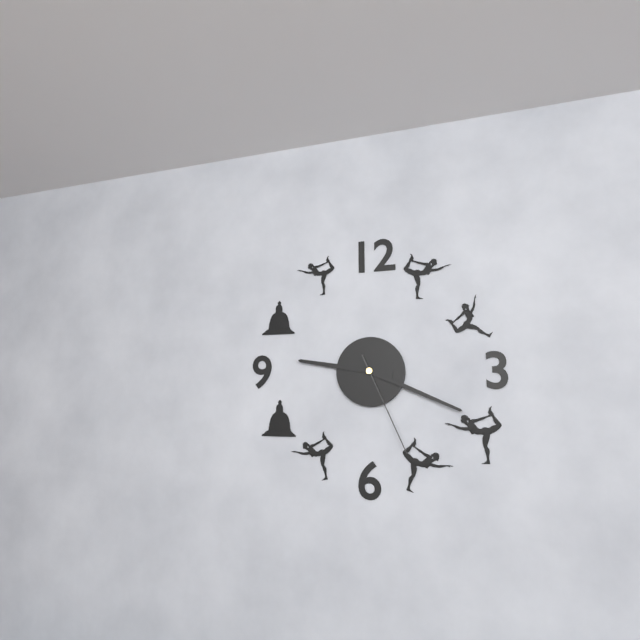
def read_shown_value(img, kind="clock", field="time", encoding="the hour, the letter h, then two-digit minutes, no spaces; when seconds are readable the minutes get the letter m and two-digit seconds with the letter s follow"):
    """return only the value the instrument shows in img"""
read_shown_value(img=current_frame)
9h19m26s
